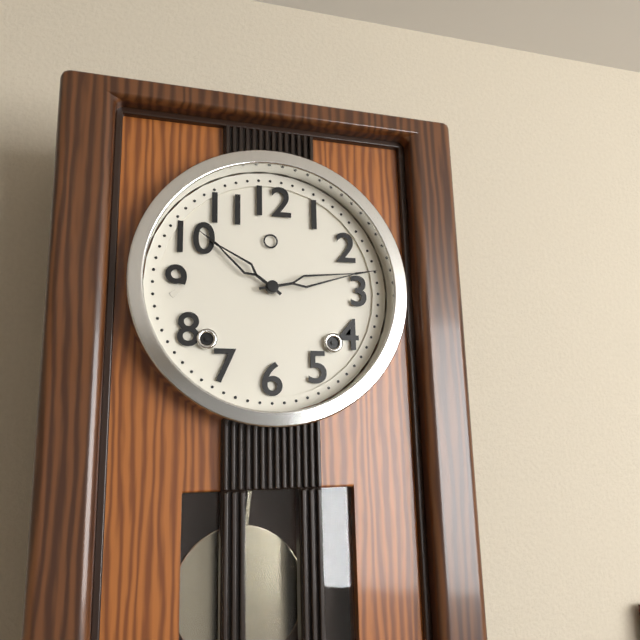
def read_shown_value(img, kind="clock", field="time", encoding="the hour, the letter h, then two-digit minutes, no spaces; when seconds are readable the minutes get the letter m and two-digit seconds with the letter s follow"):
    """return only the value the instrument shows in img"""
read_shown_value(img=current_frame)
10h13
